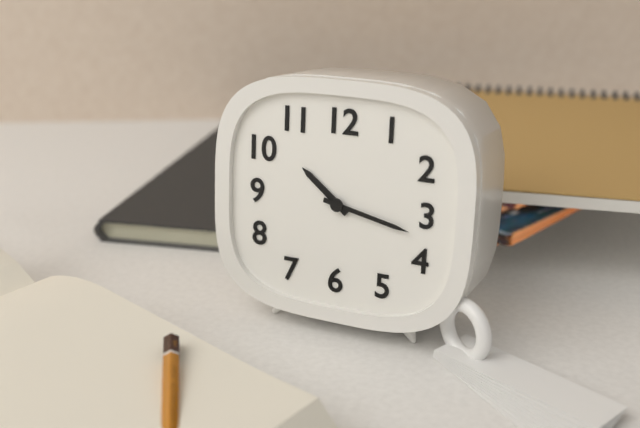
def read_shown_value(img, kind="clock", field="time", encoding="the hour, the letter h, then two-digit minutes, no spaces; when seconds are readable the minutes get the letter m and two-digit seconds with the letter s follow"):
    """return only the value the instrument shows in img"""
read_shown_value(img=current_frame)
10h17
